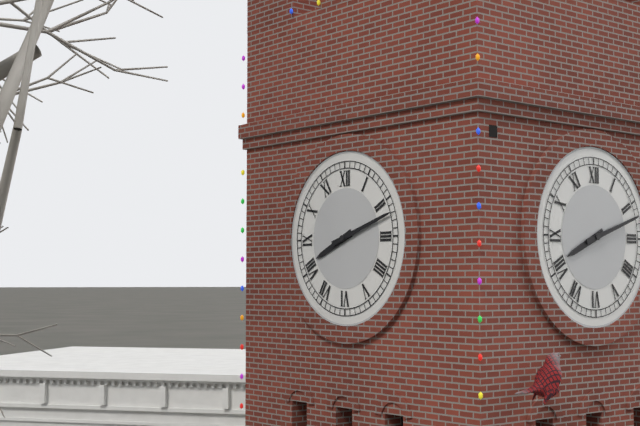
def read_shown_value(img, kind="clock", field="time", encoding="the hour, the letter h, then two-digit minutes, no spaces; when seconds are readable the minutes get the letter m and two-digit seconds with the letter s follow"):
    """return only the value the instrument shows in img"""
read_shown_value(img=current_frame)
8h12
